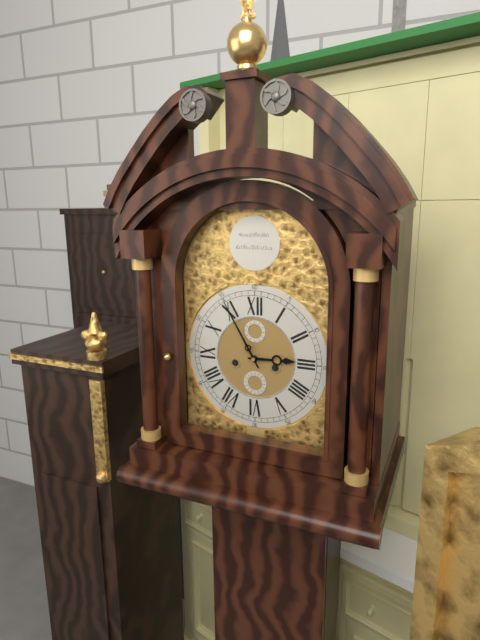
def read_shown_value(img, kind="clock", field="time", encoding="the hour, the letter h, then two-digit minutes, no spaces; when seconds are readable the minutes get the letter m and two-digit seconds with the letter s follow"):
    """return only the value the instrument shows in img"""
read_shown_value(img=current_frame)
2h55
